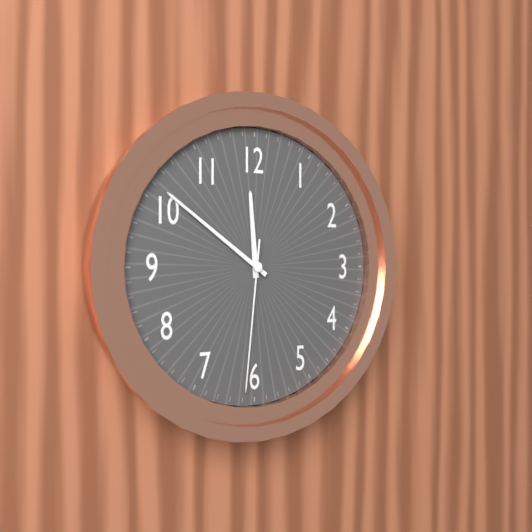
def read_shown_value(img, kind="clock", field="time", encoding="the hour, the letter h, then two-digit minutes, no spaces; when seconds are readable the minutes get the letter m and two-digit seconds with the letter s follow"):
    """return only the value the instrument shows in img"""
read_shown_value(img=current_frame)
11h51m31s
